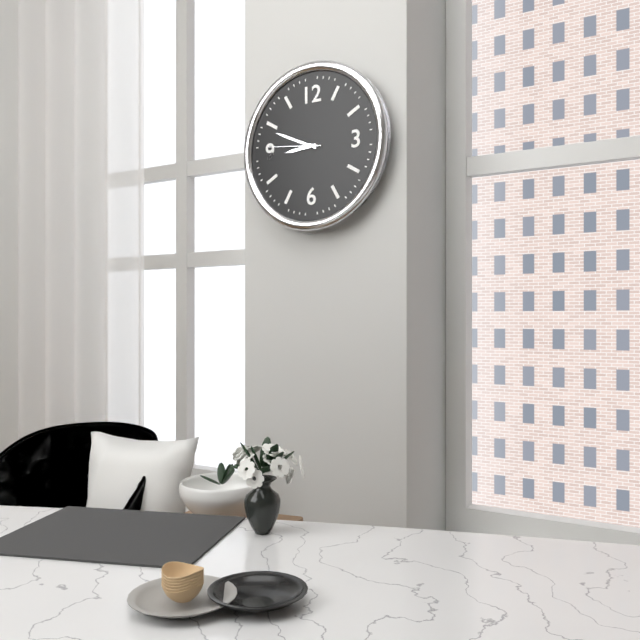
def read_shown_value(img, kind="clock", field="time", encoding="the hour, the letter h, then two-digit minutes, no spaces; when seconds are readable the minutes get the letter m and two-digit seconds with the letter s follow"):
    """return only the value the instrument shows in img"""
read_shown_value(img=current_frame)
8h49m46s
